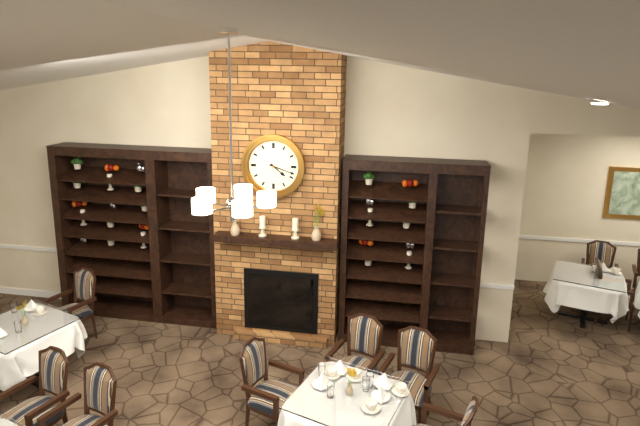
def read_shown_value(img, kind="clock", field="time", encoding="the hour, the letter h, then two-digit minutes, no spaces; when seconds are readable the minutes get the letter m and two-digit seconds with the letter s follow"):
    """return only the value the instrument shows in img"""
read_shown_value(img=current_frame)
4h18
